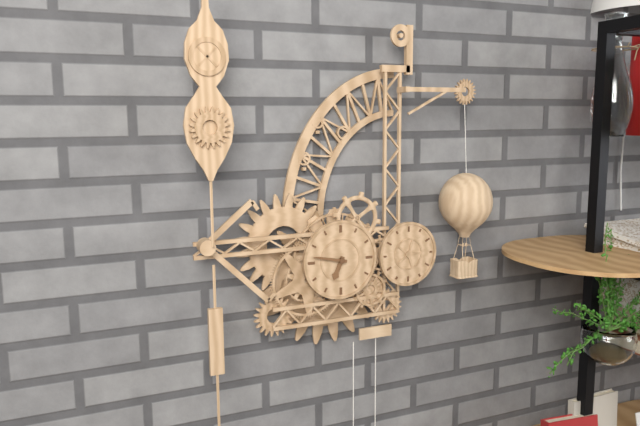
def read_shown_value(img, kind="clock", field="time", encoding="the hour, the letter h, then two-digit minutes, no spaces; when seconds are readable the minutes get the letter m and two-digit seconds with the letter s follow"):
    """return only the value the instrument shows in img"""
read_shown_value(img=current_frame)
6h47
